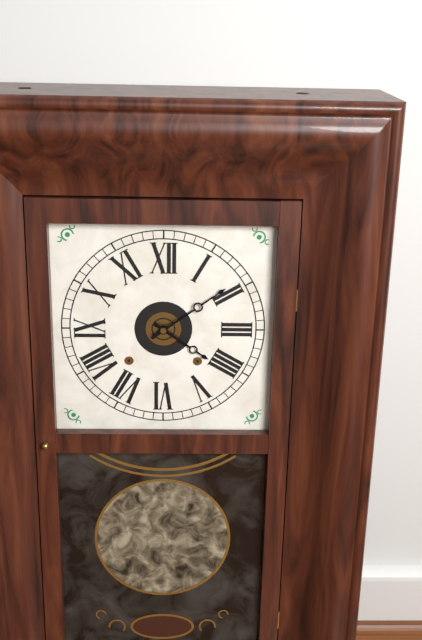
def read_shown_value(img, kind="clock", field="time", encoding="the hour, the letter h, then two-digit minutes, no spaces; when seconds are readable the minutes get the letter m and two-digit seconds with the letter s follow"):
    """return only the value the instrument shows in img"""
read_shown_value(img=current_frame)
4h09
